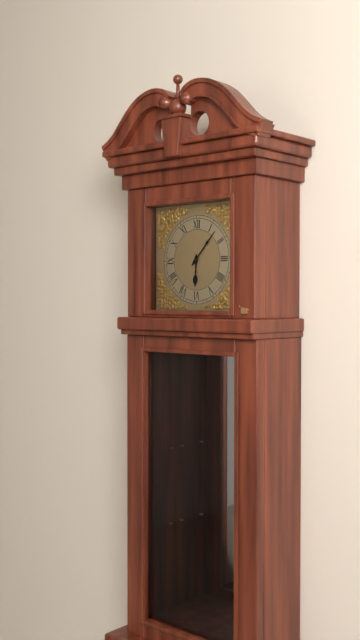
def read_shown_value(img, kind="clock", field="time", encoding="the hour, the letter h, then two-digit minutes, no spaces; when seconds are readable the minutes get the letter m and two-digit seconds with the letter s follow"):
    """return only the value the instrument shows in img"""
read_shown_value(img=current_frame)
6h07
